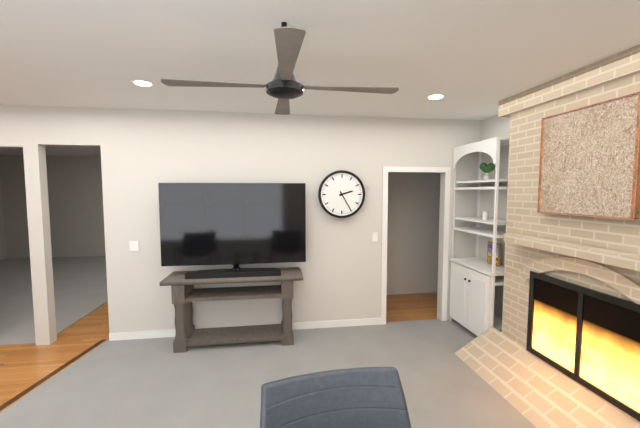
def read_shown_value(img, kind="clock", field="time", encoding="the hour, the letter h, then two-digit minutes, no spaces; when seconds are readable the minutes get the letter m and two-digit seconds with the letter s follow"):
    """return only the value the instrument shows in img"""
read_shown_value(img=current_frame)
2h25
